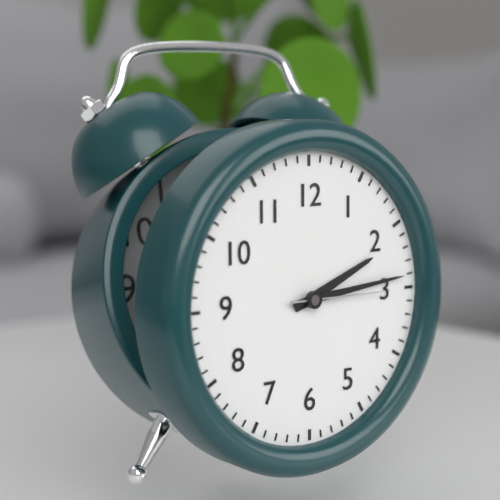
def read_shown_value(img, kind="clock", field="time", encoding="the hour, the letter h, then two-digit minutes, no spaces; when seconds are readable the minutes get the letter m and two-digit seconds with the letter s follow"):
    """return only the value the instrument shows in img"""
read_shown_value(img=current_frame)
2h14m15s
